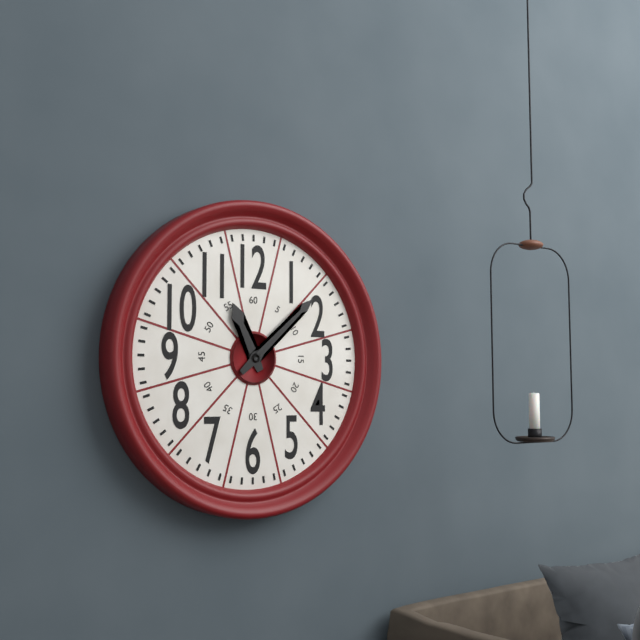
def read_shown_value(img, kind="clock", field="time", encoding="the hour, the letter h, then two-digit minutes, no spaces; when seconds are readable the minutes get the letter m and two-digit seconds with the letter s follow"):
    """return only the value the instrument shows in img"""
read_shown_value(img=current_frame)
11h08
